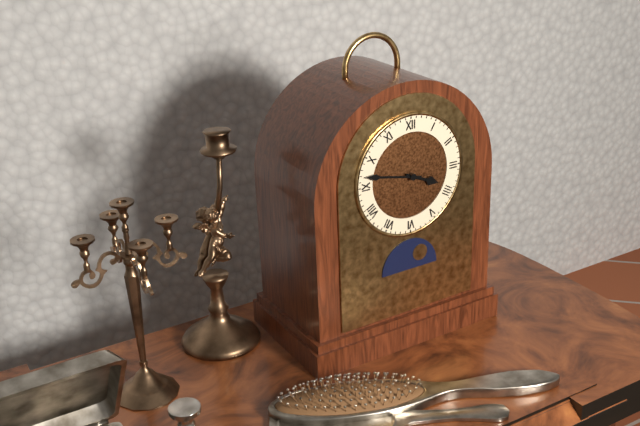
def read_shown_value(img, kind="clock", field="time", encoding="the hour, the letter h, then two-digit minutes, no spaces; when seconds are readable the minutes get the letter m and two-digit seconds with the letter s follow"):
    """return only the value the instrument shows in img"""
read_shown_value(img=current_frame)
3h47
